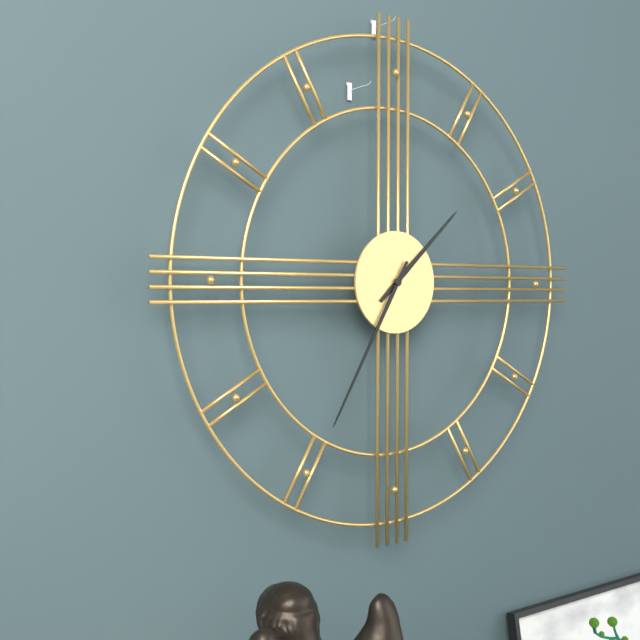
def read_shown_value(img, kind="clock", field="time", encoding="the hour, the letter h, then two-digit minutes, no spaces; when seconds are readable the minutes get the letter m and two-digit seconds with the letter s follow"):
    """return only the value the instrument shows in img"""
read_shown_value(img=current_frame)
1h35
